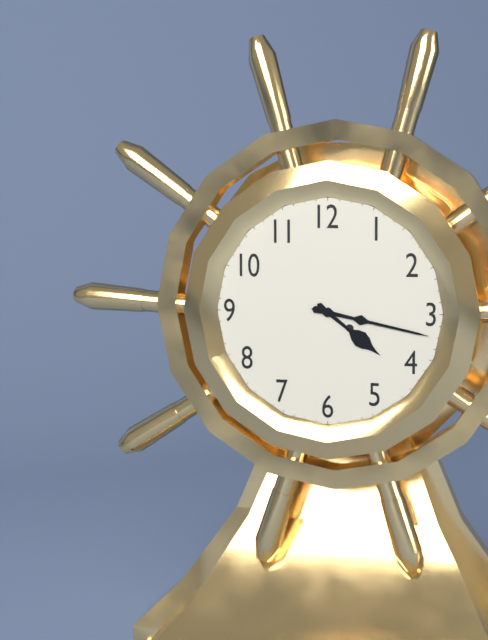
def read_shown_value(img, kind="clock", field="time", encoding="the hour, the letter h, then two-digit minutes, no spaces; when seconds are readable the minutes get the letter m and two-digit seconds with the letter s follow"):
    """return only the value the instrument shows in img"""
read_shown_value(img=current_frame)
4h17
